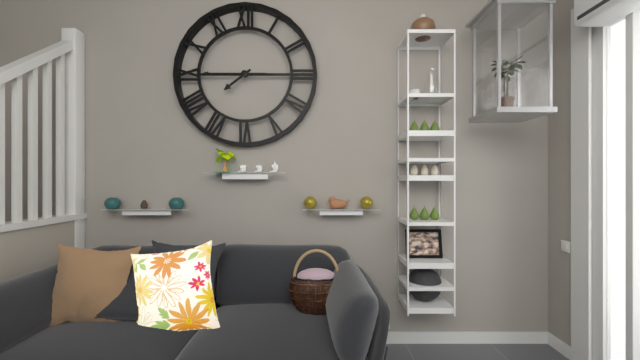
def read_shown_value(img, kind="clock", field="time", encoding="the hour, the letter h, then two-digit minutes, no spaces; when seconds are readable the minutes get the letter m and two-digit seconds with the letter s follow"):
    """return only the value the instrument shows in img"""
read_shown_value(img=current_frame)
7h45
